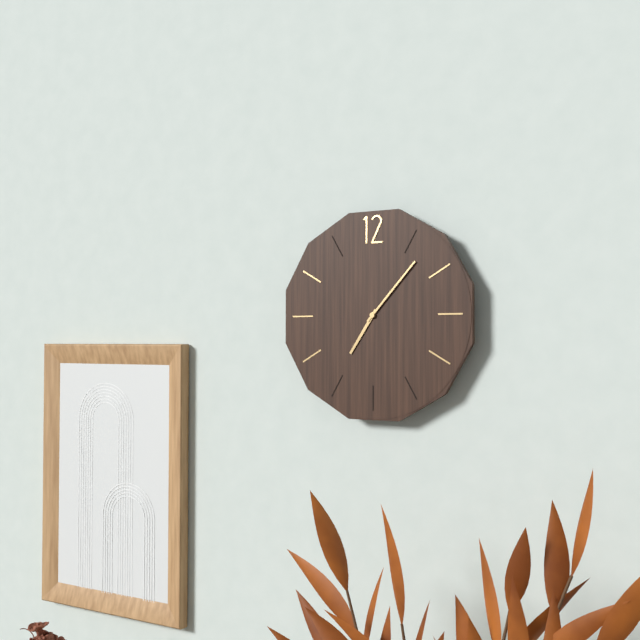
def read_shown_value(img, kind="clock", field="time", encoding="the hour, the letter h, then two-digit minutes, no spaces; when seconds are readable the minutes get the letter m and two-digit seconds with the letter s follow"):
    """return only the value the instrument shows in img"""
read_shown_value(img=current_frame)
7h07
